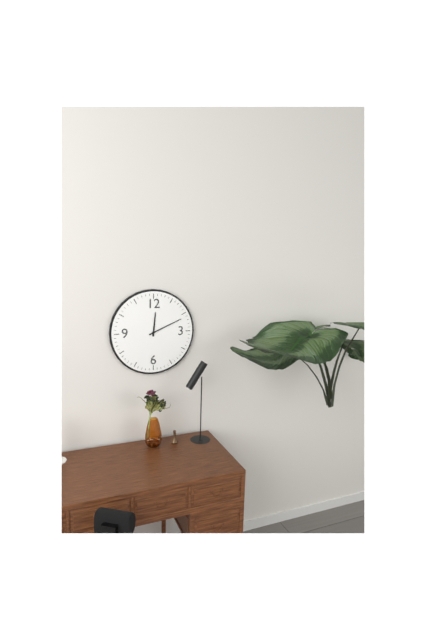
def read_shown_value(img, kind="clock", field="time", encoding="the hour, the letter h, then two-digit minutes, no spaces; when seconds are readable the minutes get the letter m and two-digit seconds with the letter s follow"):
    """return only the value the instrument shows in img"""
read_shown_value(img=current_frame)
12h11
